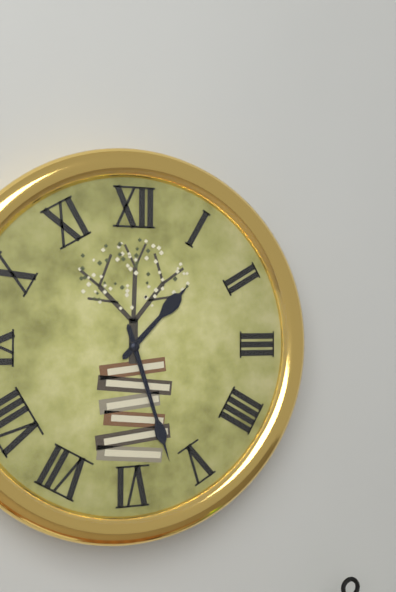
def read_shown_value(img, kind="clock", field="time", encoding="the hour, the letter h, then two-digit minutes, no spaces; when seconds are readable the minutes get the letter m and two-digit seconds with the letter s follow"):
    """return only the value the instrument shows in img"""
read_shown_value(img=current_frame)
1h27
